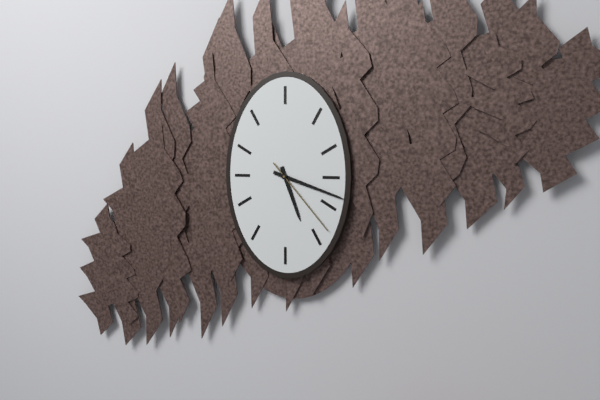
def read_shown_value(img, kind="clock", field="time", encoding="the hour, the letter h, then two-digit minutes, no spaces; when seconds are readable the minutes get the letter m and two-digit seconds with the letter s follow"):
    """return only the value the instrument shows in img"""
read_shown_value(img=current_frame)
5h18m23s
